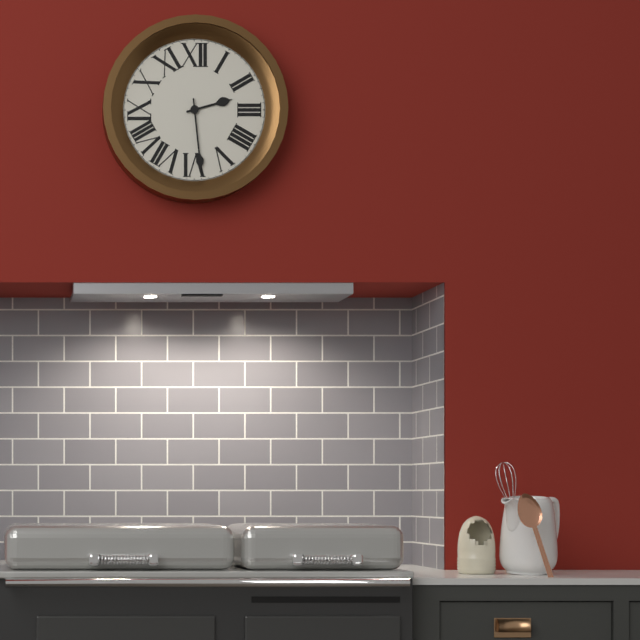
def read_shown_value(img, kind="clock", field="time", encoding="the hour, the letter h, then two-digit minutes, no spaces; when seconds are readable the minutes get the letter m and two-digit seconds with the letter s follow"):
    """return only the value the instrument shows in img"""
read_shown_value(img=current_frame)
2h29
